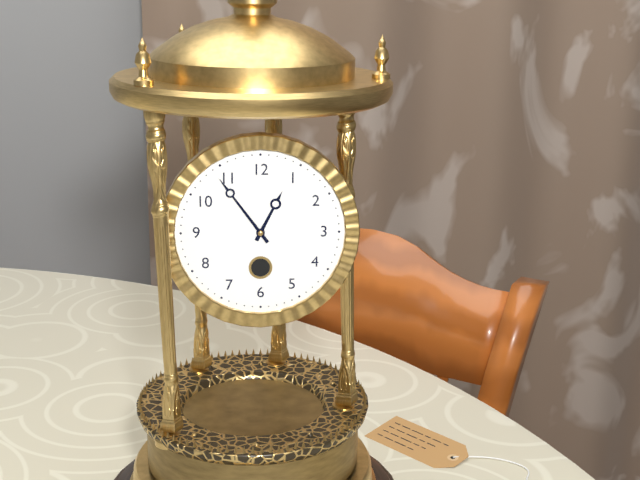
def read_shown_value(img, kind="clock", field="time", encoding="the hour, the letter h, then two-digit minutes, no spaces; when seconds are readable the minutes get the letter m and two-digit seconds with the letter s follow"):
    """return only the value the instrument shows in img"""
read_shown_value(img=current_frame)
12h54
